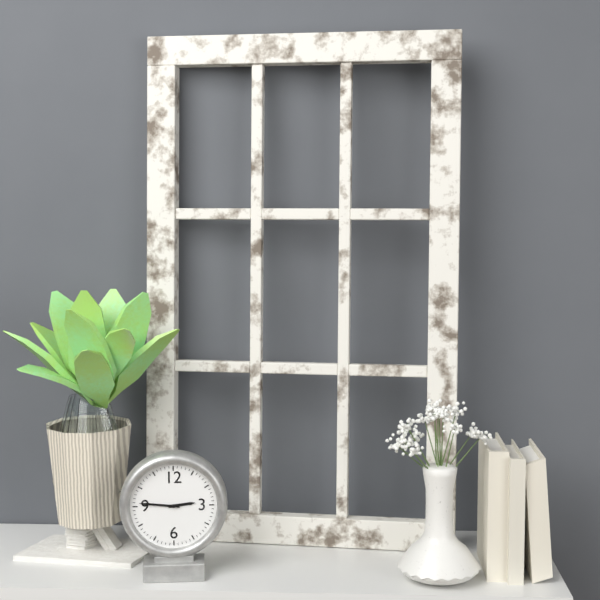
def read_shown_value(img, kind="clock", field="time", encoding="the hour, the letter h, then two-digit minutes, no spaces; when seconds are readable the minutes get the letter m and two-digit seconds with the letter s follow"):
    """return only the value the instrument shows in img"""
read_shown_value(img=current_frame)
2h46
